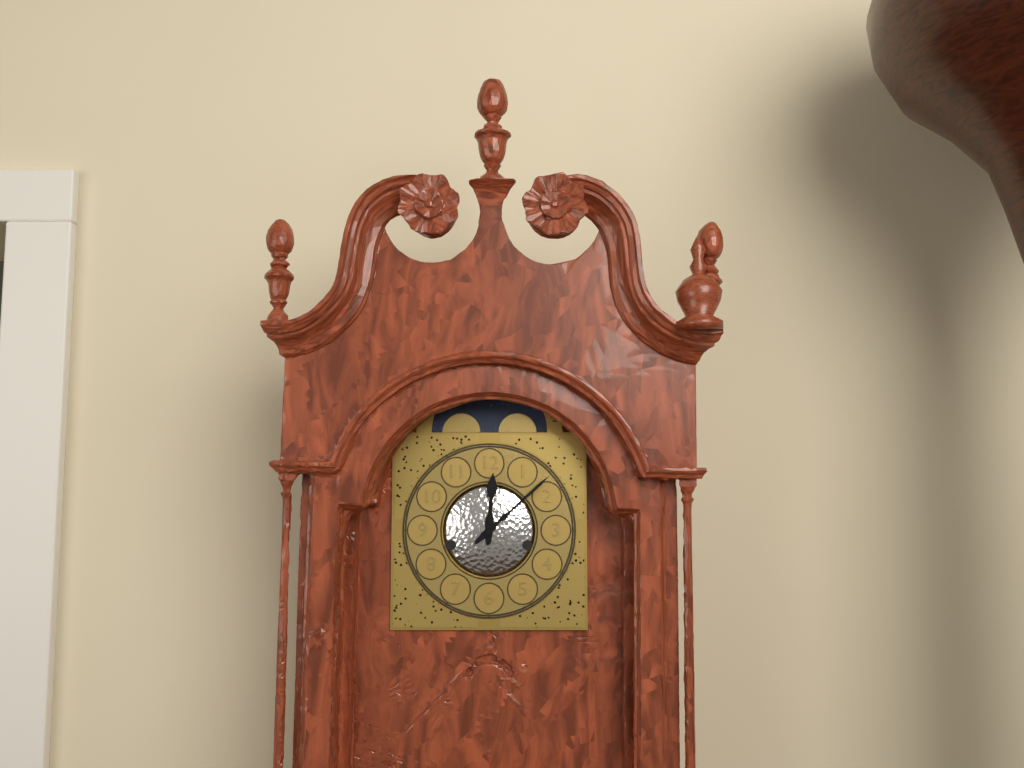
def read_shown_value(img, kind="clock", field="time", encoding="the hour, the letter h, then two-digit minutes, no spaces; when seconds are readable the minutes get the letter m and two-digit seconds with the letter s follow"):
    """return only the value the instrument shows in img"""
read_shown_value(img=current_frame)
12h08
